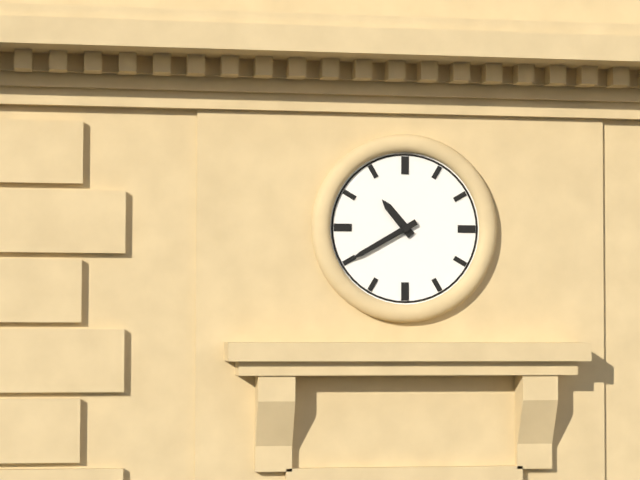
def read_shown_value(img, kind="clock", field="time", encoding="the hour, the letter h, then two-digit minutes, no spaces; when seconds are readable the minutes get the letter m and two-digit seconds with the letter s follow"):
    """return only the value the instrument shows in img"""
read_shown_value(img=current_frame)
10h40
